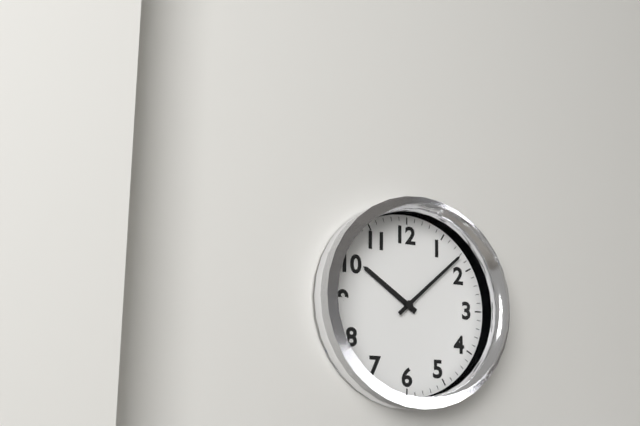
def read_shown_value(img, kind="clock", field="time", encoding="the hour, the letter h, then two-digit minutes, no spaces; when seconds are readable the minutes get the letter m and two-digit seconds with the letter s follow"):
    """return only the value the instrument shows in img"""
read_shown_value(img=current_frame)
10h08
